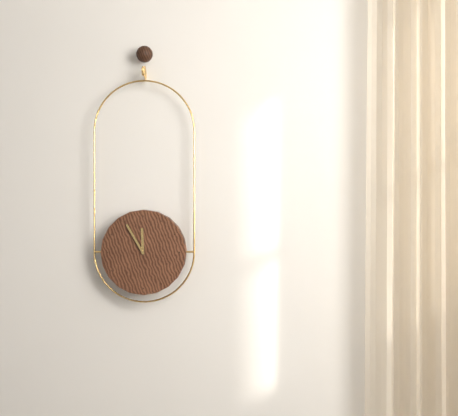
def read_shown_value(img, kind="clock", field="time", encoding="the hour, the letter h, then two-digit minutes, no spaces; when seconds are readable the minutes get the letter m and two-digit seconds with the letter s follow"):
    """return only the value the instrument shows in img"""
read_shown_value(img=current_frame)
11h55
